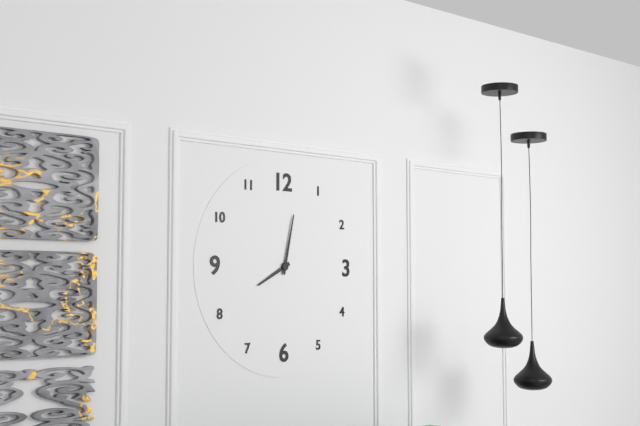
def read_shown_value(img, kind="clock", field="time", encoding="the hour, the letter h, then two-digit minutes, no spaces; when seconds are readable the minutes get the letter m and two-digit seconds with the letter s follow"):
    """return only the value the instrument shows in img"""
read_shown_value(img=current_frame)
8h02
